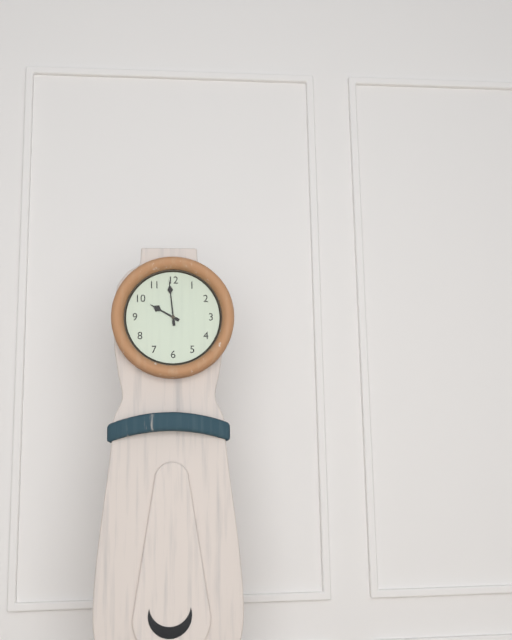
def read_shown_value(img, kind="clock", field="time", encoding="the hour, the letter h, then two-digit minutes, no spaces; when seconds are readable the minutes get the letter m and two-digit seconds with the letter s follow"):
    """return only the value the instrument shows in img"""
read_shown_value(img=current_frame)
9h59
